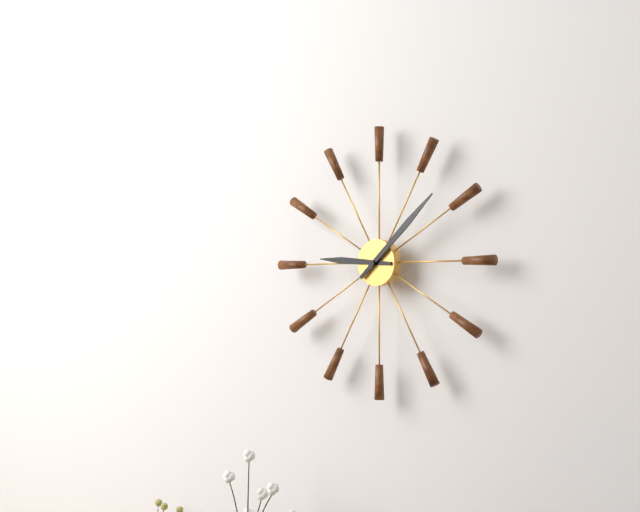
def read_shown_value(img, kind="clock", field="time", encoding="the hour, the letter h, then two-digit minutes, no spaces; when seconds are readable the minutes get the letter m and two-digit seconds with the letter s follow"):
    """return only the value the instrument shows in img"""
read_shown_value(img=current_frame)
9h08
